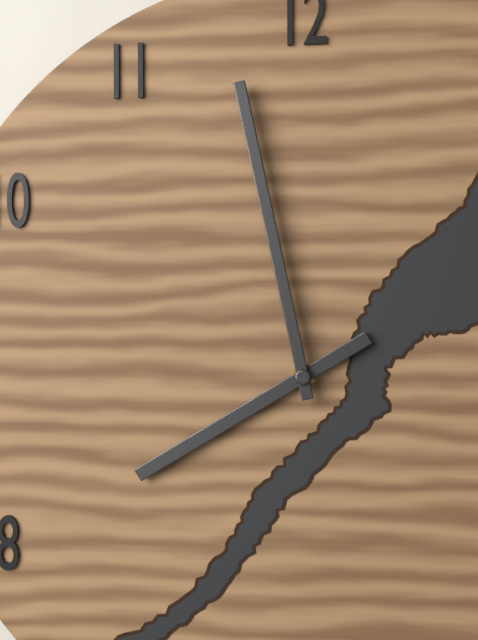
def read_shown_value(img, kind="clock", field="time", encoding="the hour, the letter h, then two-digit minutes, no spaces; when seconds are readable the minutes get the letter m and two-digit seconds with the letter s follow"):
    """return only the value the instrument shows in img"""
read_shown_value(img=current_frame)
7h58
